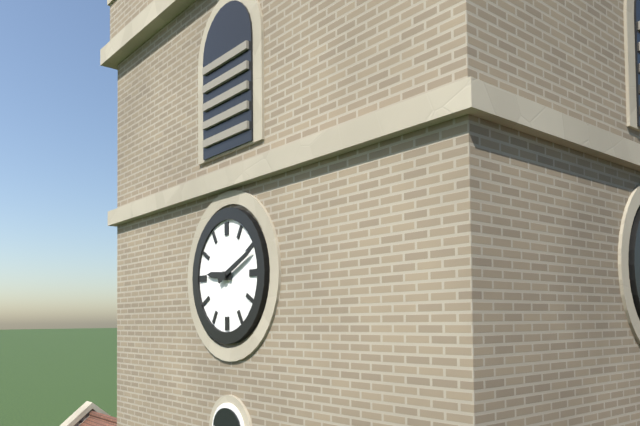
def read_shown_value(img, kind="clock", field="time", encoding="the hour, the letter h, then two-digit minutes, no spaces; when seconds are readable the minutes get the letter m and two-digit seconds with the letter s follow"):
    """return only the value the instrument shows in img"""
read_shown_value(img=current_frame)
9h11
